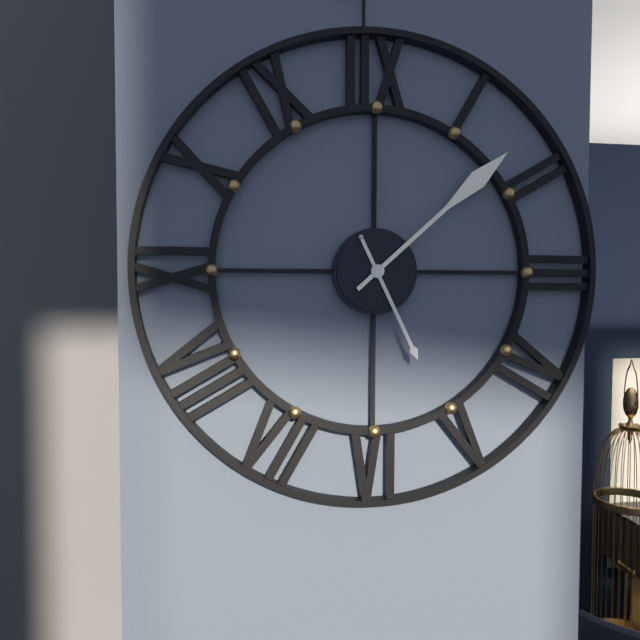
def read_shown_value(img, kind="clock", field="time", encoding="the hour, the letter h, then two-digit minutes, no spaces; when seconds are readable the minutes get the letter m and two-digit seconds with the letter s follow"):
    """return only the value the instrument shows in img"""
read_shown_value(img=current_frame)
5h08
